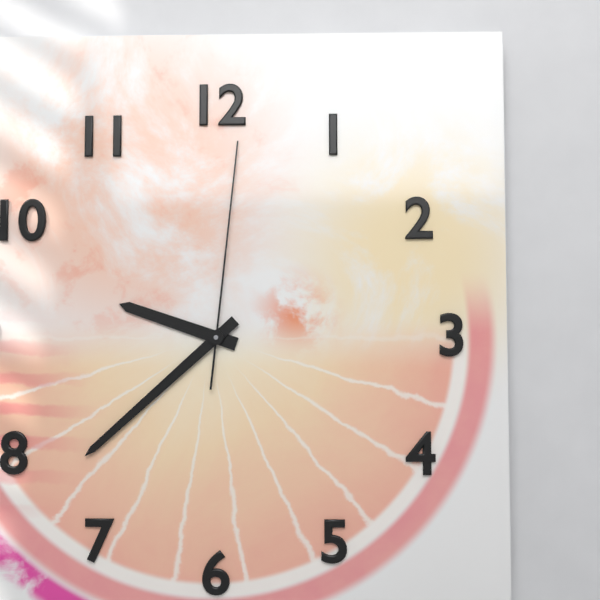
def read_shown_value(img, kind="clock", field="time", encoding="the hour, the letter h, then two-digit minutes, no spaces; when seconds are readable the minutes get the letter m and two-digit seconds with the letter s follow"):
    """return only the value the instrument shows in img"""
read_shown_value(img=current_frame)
9h38m01s
